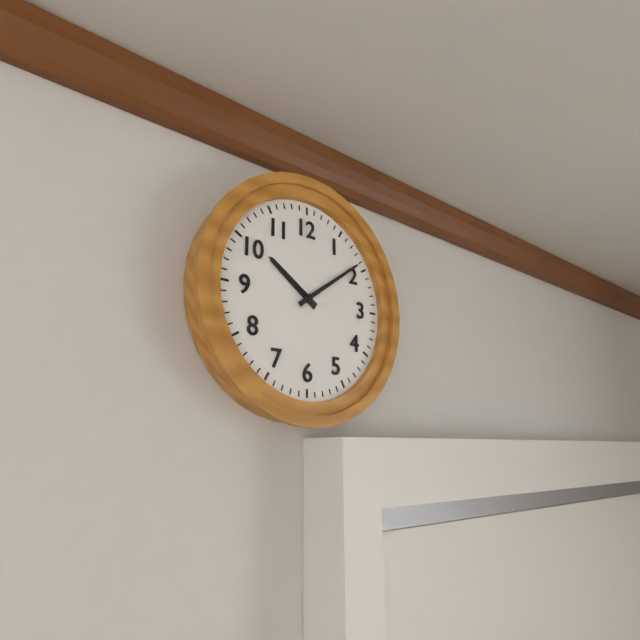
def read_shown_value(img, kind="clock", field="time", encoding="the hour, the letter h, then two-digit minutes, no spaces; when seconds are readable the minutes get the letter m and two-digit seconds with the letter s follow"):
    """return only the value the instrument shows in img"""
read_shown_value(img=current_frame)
10h09
